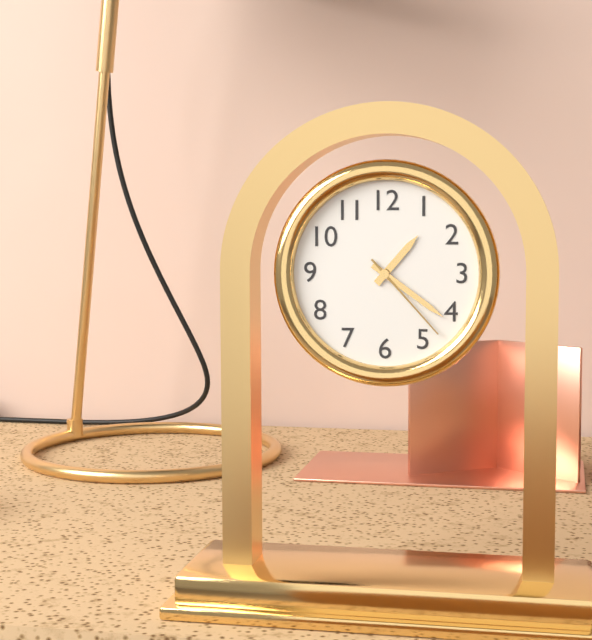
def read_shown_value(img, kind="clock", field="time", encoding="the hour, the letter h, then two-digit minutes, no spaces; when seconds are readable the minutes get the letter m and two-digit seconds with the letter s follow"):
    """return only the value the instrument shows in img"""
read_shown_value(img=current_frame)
1h21m23s
